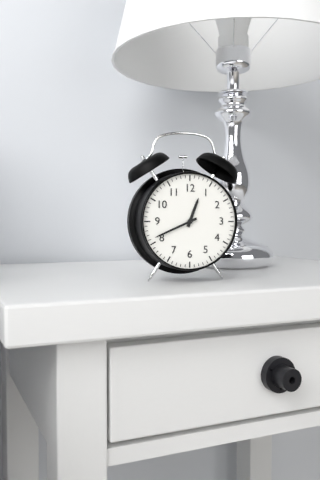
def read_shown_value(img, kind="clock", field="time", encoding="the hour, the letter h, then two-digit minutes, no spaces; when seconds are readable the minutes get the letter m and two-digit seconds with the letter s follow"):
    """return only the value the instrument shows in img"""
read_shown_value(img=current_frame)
12h41
